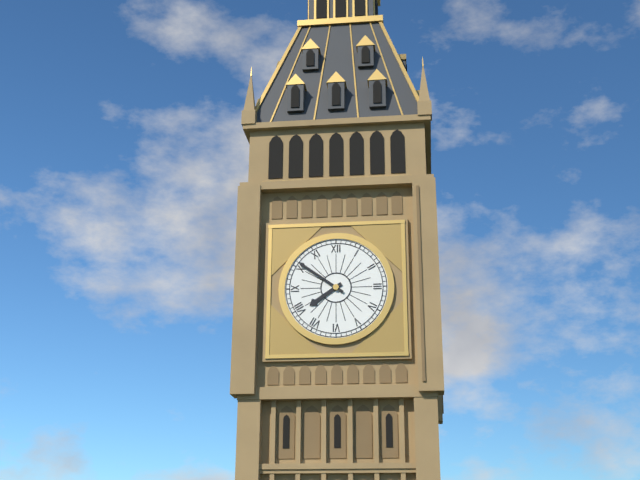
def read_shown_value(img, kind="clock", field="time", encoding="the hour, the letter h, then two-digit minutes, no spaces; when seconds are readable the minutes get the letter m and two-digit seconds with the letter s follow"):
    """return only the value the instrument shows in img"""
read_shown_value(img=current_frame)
7h51
